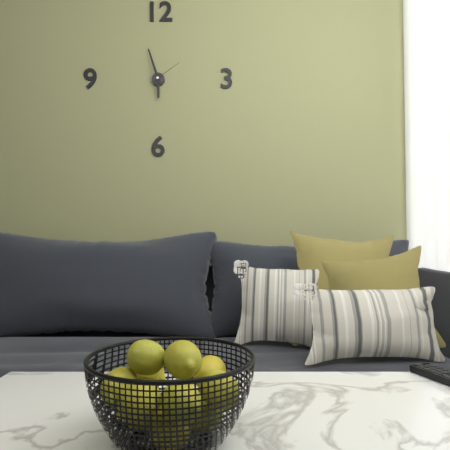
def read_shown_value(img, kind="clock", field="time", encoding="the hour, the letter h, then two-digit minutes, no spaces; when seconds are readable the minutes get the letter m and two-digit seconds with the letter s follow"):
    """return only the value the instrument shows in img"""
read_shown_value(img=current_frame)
5h57
